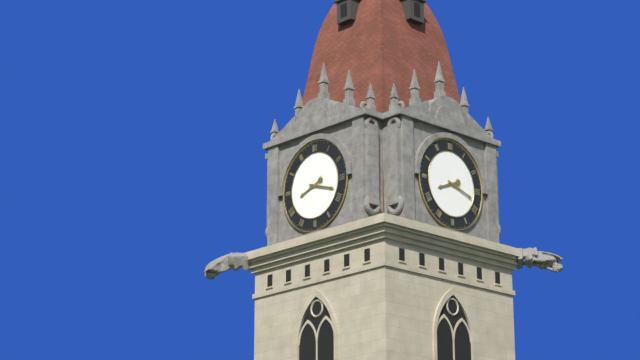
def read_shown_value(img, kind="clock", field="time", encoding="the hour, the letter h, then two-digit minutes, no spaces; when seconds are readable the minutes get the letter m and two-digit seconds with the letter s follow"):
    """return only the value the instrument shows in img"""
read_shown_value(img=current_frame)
8h18
